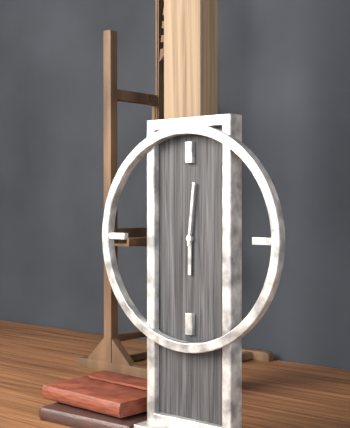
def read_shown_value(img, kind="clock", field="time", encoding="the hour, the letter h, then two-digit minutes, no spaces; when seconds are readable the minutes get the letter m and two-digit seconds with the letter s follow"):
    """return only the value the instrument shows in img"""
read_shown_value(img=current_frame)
6h01
